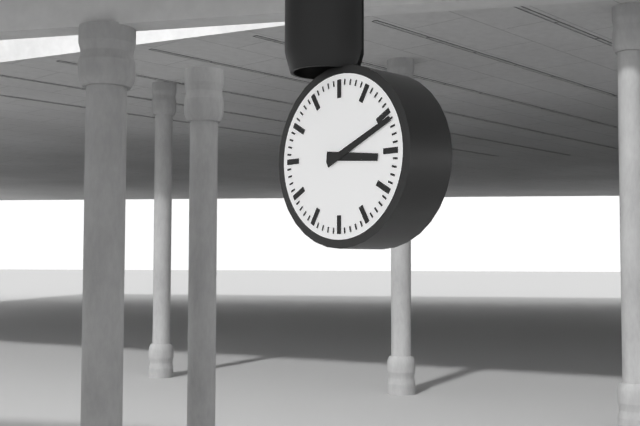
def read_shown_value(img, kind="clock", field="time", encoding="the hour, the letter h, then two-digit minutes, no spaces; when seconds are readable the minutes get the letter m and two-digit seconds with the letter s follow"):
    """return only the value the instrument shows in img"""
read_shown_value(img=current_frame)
3h11
